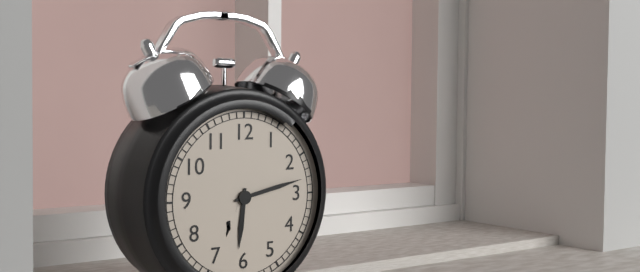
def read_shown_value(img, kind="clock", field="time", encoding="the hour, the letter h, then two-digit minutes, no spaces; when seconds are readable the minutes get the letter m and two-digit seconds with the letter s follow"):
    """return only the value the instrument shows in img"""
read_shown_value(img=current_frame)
6h13
